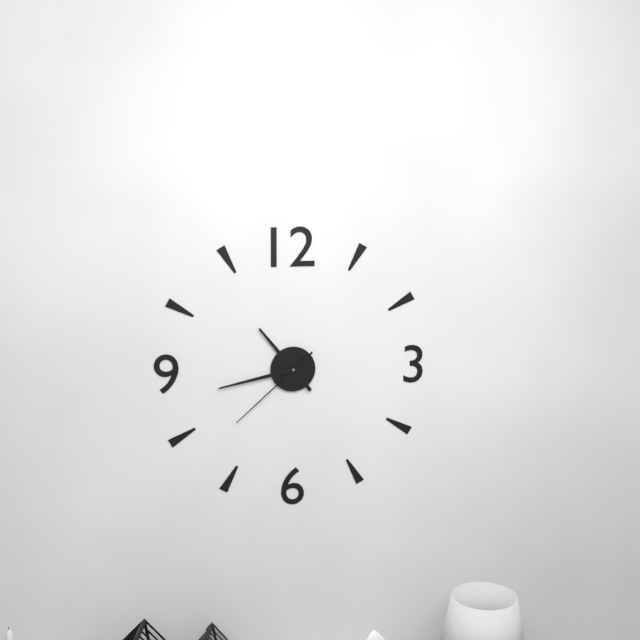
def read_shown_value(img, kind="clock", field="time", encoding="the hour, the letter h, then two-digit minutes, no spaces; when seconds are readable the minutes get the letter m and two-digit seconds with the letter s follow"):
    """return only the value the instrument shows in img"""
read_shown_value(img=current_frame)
10h43m38s
